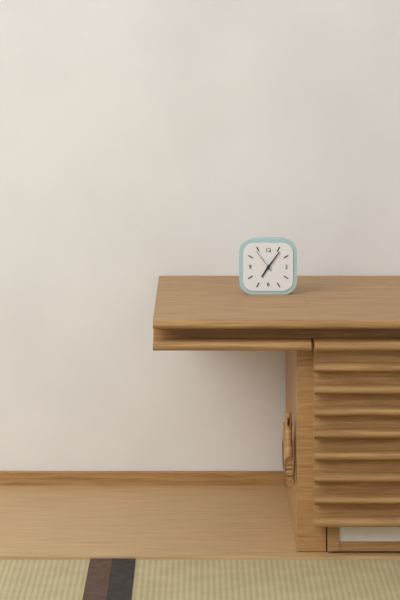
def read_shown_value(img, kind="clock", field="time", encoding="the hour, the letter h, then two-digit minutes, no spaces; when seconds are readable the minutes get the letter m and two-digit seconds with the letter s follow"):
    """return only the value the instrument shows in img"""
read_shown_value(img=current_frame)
7h06
